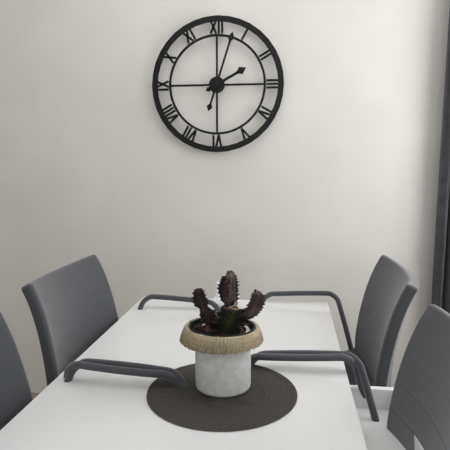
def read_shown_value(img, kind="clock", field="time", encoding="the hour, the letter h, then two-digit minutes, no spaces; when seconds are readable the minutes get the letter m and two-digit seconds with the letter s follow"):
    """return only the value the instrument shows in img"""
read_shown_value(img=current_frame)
2h03
